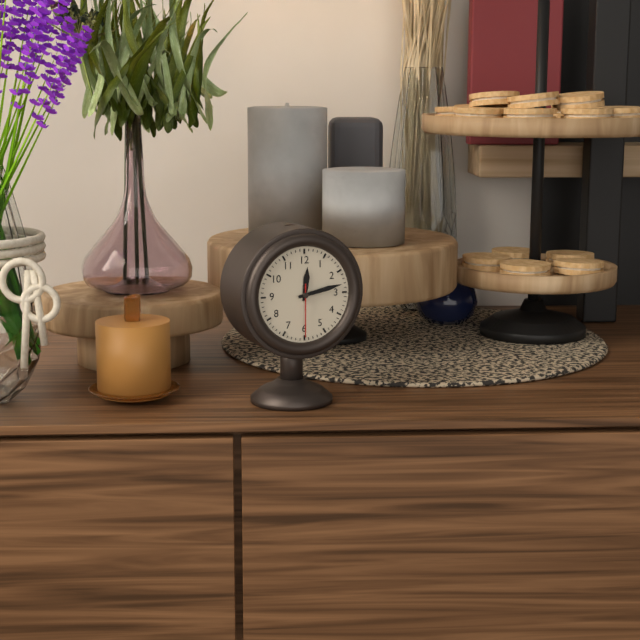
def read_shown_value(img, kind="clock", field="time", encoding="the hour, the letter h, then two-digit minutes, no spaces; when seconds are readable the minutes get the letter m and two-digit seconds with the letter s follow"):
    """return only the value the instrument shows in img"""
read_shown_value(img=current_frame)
12h13m30s
